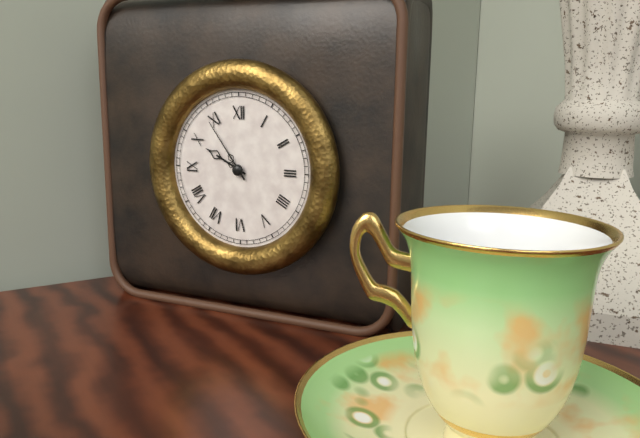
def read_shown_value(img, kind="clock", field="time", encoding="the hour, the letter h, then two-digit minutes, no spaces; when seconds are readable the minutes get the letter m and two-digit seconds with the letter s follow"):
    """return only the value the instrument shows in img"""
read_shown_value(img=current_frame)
9h54
